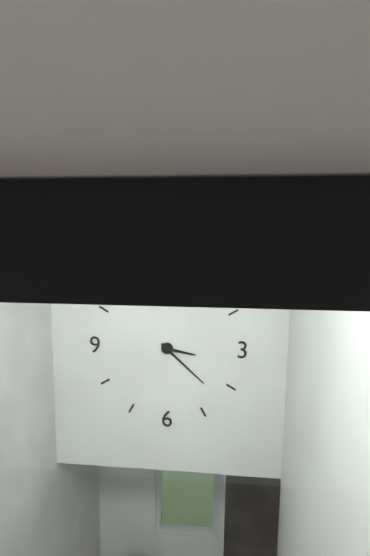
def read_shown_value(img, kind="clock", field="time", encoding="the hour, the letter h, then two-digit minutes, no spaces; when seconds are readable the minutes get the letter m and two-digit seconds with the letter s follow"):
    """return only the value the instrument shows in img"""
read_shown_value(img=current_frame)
3h22
